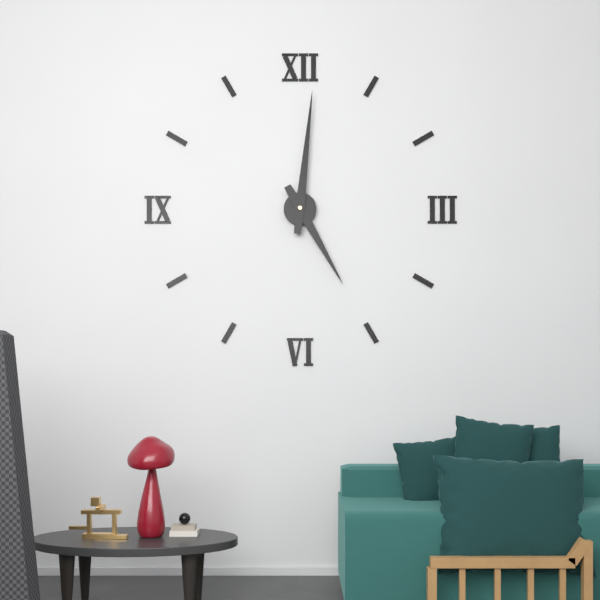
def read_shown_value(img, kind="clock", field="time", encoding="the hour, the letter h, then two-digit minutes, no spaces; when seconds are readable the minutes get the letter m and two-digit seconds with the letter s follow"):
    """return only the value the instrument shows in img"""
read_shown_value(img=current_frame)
5h01
